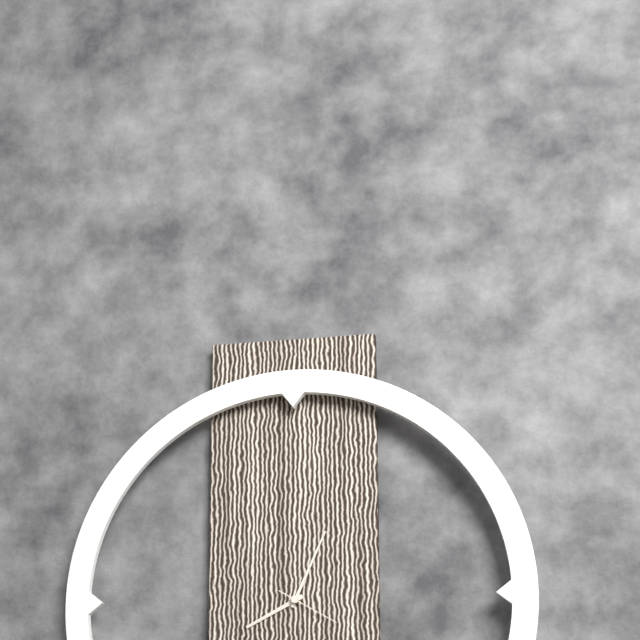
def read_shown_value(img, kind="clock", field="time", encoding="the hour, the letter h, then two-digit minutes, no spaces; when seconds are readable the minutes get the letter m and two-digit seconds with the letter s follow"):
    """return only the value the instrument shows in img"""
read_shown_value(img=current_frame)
8h04m20s
